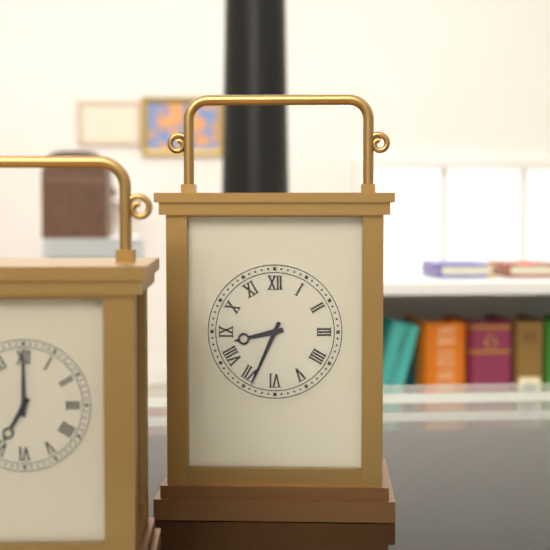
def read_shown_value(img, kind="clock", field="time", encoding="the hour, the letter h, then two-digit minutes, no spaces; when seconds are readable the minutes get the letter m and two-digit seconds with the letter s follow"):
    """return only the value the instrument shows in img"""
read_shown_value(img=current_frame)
8h34
